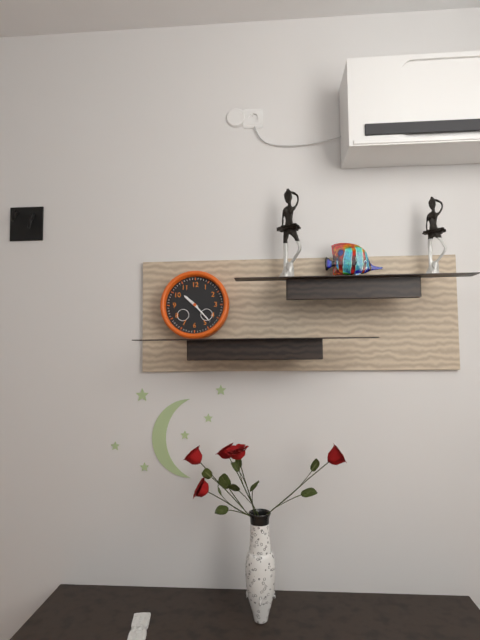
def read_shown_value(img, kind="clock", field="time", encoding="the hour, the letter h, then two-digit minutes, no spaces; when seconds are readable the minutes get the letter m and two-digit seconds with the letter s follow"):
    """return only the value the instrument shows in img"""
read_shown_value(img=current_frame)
10h23
